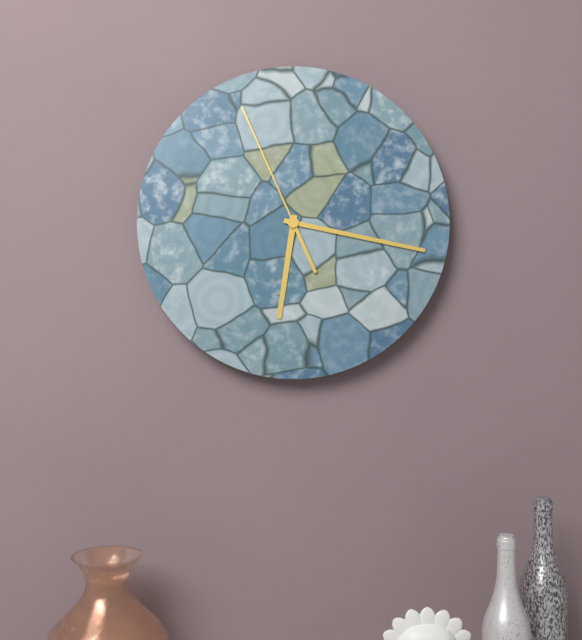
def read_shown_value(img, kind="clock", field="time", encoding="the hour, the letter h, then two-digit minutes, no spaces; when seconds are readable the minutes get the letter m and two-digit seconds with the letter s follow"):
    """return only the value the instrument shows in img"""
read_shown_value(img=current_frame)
6h17m56s
